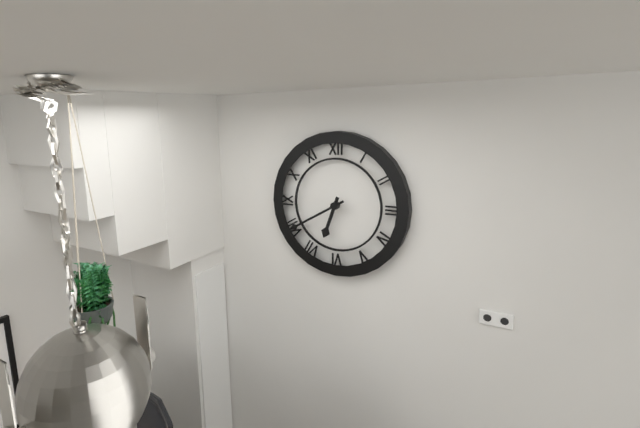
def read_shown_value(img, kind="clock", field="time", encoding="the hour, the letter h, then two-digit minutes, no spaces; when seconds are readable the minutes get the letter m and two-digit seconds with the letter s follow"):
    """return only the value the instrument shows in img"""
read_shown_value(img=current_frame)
6h40
